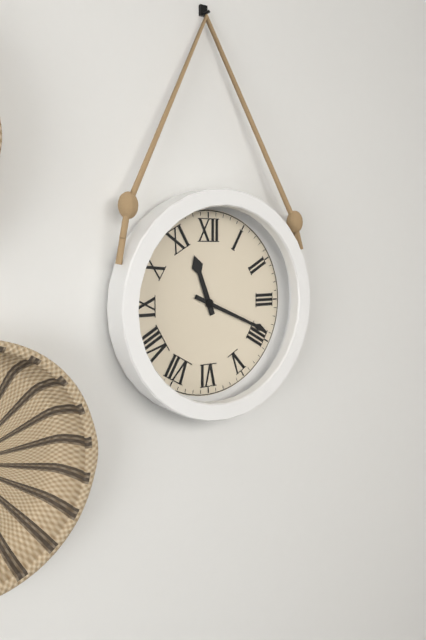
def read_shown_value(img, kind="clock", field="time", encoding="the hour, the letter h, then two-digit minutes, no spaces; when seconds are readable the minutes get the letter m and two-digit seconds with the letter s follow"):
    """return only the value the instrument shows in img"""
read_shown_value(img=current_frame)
11h19
